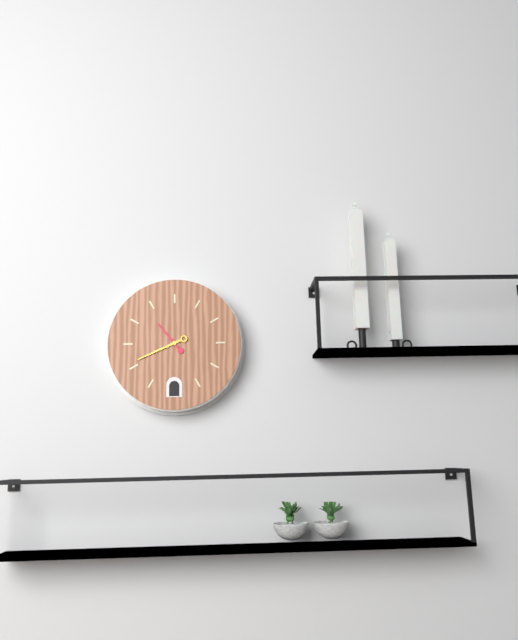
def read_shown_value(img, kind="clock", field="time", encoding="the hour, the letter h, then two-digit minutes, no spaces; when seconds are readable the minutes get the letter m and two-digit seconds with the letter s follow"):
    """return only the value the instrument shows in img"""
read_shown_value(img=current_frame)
10h41
